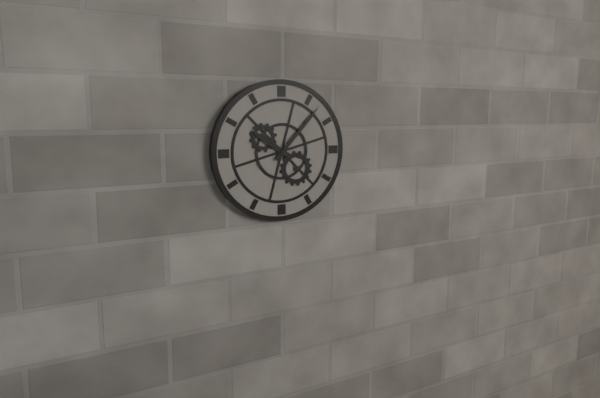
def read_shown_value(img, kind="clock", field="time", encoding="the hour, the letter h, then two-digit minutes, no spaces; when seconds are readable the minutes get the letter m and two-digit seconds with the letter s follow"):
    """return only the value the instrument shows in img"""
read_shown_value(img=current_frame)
10h07
